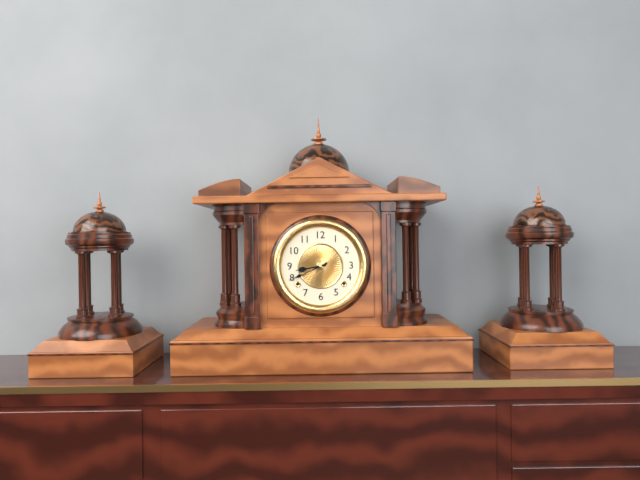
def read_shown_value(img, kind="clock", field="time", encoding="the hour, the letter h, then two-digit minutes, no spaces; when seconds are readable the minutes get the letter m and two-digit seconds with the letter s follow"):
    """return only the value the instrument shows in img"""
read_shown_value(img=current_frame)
8h41
